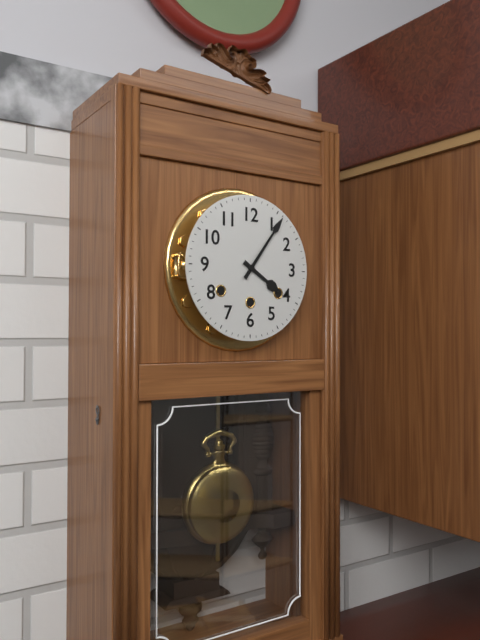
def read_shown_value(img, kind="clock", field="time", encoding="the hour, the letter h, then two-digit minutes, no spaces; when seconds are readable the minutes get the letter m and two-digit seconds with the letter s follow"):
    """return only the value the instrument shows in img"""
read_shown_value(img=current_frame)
4h06
